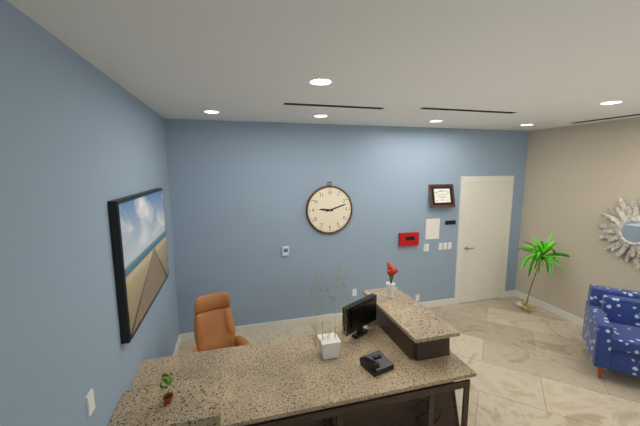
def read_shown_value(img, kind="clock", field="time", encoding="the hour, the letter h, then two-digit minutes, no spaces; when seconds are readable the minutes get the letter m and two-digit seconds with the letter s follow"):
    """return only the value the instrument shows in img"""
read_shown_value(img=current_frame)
9h12
